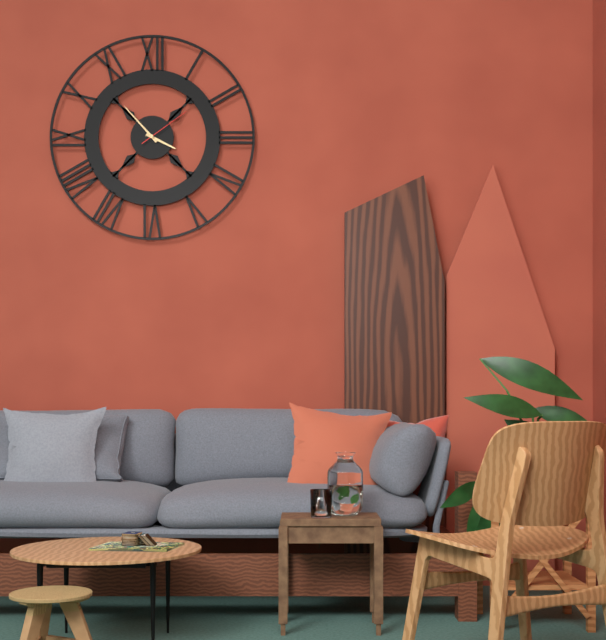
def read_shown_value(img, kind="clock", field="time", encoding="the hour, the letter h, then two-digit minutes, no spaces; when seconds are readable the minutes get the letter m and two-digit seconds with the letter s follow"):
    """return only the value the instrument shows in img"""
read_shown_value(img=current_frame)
3h53m09s
